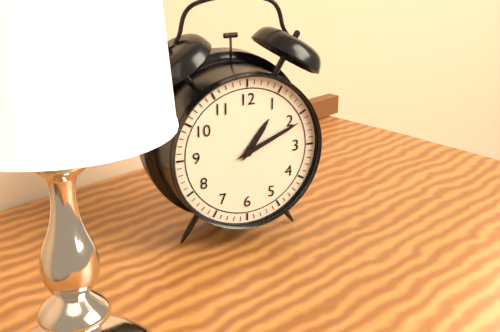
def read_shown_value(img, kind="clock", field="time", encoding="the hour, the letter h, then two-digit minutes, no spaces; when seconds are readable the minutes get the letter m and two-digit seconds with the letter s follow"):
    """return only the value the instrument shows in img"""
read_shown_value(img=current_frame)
1h11
